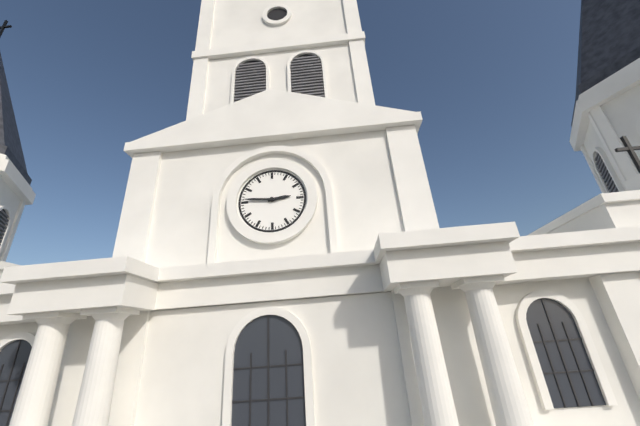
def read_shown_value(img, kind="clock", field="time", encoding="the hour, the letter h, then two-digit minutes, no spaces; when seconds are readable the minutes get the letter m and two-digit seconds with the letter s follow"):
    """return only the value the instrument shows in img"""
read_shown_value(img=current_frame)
2h46
